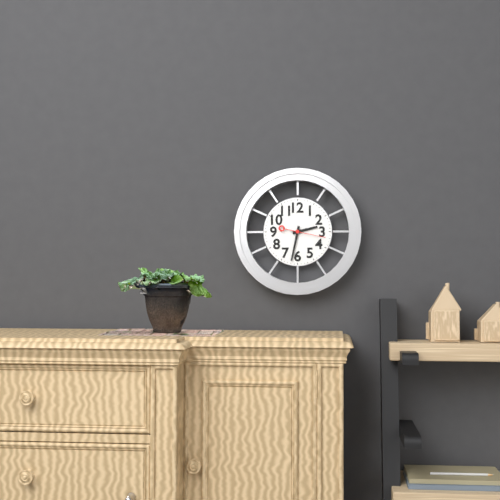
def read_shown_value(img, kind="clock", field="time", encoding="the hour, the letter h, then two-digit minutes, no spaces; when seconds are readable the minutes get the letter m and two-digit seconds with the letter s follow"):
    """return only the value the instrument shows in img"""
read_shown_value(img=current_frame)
2h32
